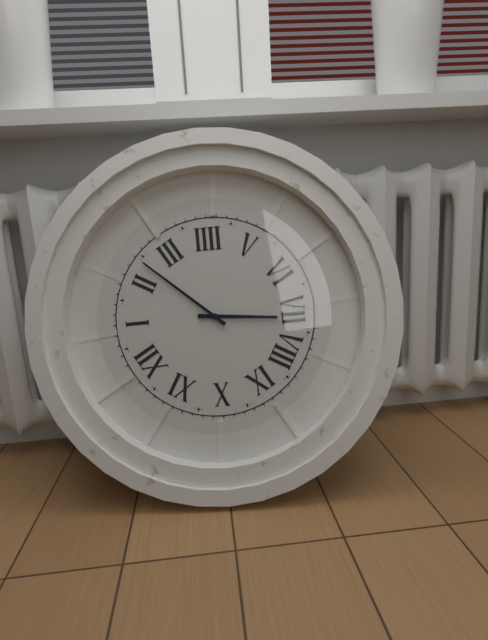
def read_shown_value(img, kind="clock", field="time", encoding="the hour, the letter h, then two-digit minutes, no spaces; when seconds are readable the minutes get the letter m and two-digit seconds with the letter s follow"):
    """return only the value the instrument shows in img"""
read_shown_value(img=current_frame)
7h12
